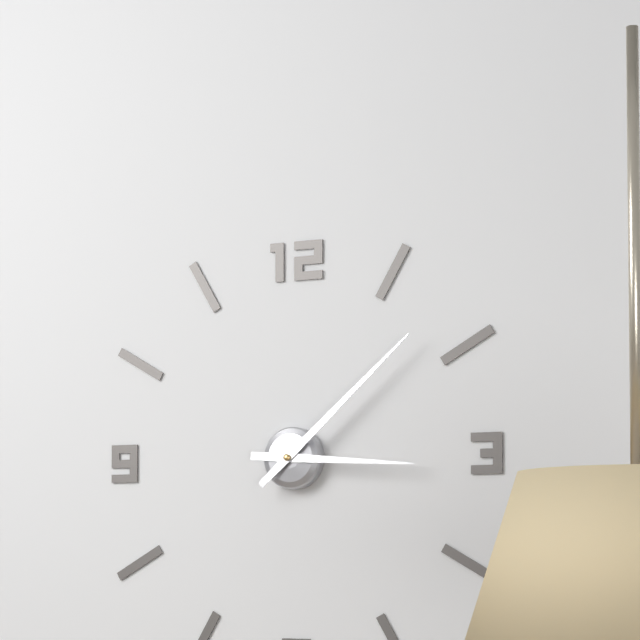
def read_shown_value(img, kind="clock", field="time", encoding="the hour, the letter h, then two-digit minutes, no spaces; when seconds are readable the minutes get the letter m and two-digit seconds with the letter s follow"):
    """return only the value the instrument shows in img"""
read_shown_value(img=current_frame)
3h08
